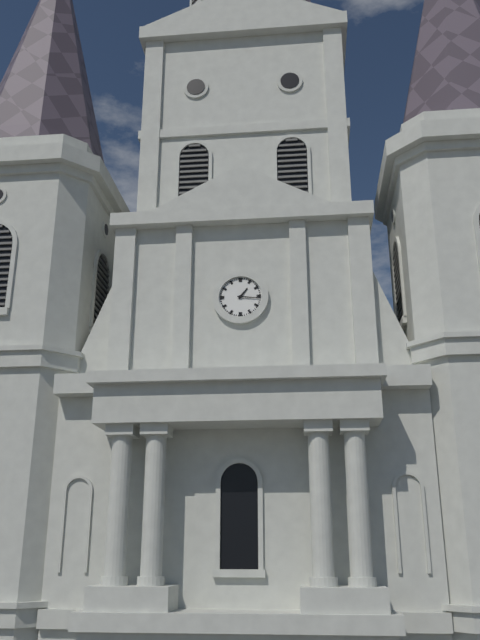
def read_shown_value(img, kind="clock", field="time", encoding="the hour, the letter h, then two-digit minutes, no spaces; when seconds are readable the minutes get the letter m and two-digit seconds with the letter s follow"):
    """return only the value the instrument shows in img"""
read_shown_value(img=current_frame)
1h16
